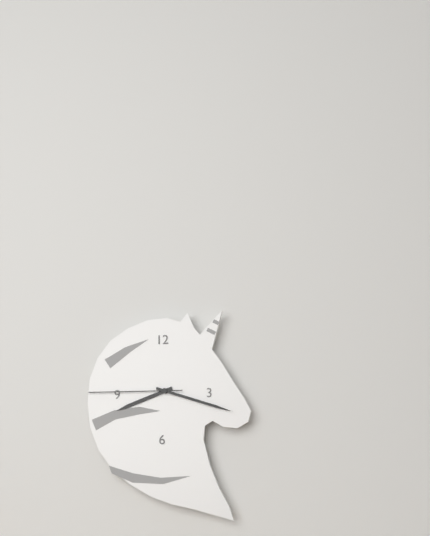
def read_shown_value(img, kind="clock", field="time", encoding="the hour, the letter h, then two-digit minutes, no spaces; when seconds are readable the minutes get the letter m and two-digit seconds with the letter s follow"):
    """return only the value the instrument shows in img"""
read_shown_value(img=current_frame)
8h18m45s
